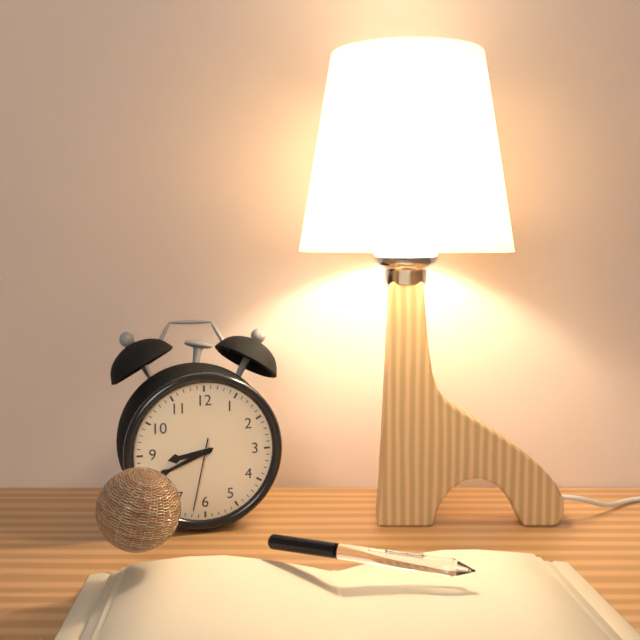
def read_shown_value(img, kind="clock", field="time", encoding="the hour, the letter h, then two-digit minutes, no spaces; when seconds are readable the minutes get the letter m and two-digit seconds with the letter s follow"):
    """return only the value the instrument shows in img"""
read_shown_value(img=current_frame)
8h41m32s
